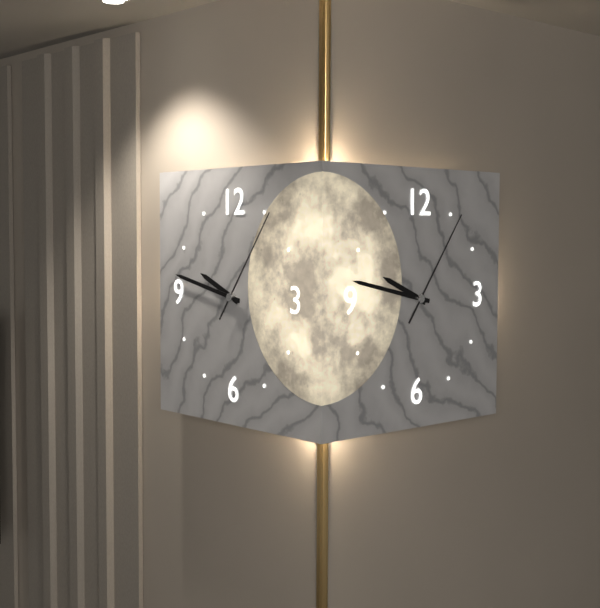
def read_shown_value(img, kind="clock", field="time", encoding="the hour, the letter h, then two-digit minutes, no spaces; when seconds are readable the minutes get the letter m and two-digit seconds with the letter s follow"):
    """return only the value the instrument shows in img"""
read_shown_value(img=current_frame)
9h47m06s
